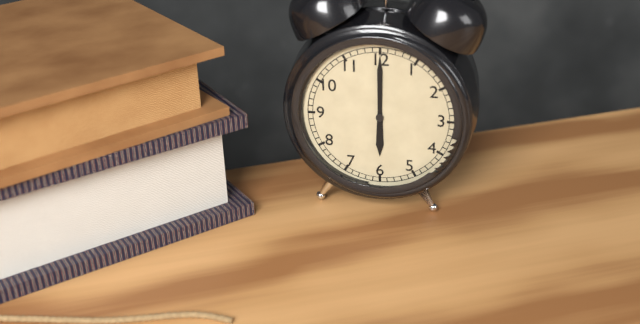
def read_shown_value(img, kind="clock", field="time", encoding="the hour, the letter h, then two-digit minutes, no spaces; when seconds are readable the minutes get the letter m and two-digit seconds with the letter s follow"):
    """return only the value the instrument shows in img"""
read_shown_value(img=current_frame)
6h00
